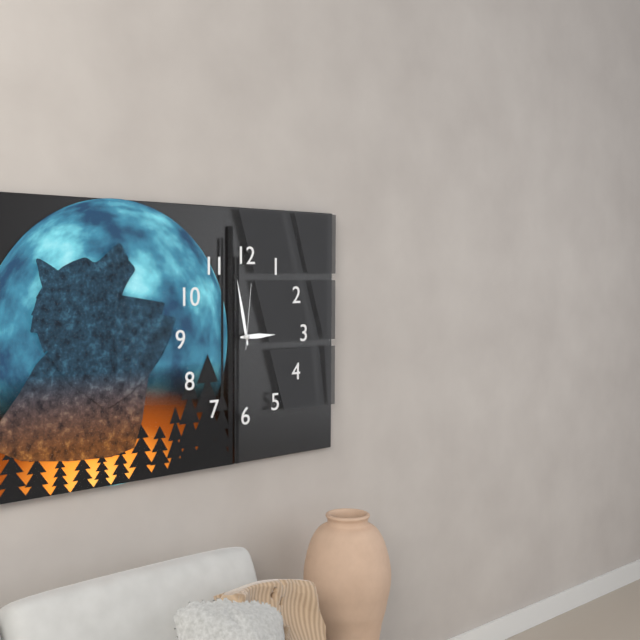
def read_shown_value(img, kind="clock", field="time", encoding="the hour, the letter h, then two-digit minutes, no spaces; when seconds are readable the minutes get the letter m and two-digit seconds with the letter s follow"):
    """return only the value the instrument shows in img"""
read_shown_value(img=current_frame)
2h58m01s
